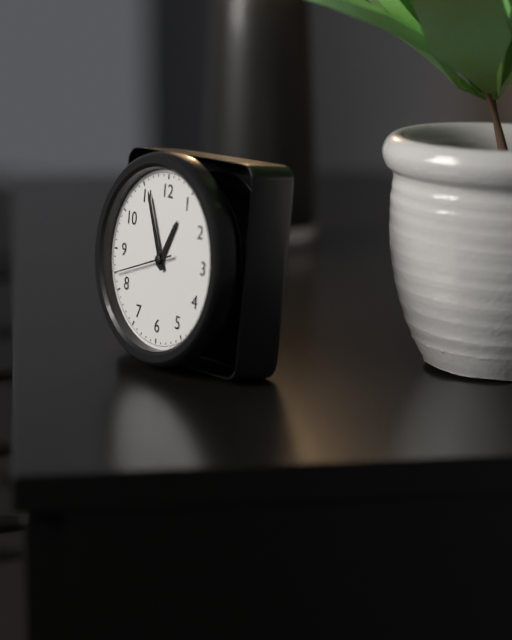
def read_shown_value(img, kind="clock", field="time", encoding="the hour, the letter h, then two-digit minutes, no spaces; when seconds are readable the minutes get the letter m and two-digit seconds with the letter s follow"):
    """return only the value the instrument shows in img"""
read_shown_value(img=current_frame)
12h56m42s
